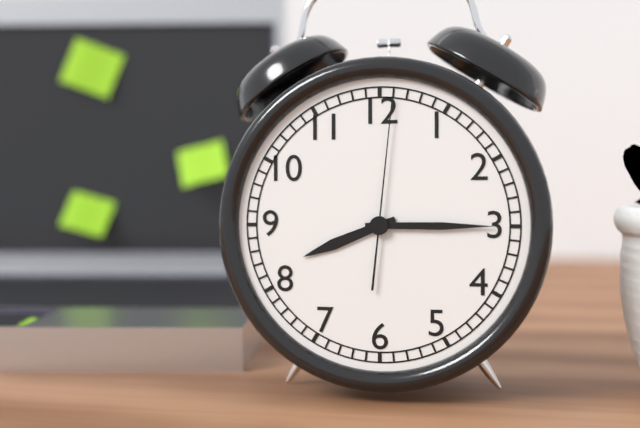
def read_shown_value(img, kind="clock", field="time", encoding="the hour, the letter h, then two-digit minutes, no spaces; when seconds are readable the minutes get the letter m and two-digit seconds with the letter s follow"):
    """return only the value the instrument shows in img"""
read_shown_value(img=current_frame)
8h15m01s
